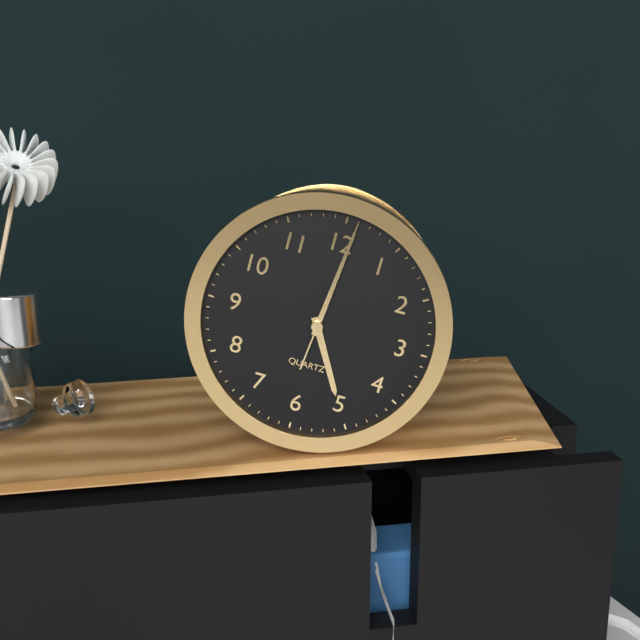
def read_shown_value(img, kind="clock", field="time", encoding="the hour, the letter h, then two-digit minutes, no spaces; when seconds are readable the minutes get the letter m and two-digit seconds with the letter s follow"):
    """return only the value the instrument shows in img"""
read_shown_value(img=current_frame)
5h01m01s
